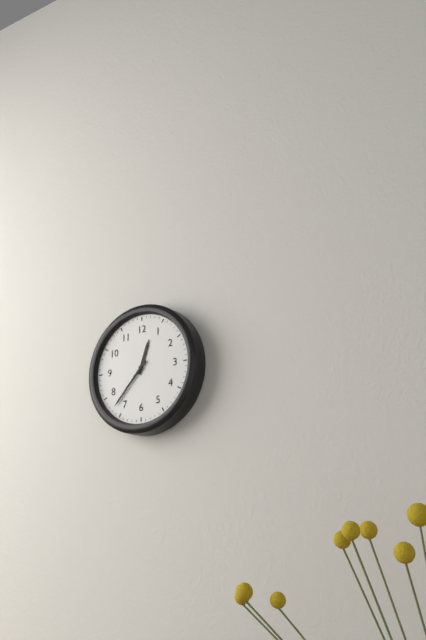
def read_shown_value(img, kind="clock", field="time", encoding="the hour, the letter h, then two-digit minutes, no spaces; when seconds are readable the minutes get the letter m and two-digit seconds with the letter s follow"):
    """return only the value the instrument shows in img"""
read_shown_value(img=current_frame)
12h37
